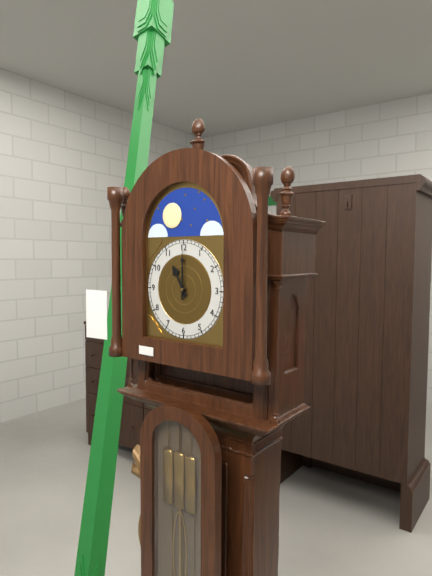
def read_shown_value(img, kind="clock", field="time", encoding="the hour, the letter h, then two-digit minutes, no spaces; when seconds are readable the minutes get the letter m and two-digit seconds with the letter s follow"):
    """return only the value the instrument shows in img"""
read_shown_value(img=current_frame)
11h00
